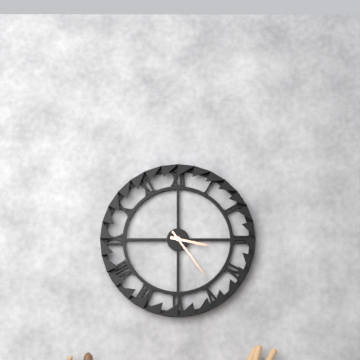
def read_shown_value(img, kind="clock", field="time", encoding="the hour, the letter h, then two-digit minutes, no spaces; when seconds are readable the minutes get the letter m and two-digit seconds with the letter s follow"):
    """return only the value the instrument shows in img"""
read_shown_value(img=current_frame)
3h24
